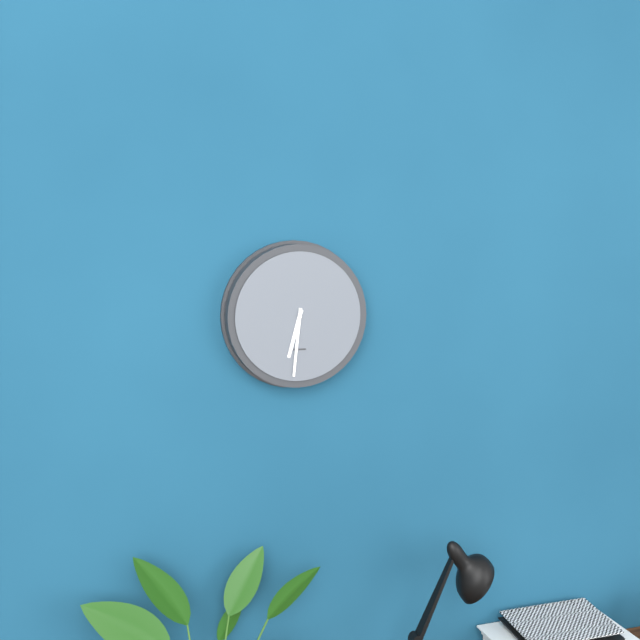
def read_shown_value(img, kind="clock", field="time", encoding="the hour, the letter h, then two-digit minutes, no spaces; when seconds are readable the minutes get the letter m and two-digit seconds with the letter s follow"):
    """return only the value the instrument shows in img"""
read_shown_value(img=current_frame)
6h31
